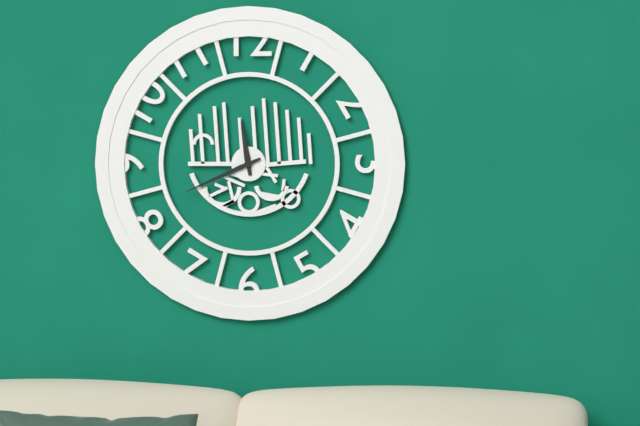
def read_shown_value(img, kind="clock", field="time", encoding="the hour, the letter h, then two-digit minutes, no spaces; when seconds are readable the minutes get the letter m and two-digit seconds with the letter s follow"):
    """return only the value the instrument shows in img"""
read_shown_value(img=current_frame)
11h41
